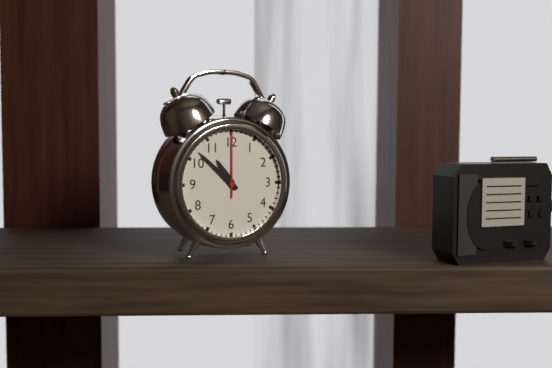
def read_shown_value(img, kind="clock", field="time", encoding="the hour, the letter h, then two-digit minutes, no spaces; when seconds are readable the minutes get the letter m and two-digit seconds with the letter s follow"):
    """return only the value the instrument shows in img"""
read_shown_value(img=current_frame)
10h52m00s
